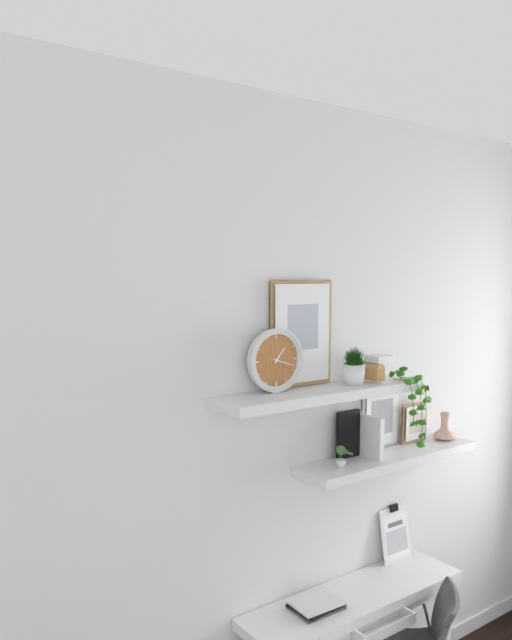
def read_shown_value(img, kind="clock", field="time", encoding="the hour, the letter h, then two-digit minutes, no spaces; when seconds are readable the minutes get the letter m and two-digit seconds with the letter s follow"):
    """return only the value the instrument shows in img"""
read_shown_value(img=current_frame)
1h18
